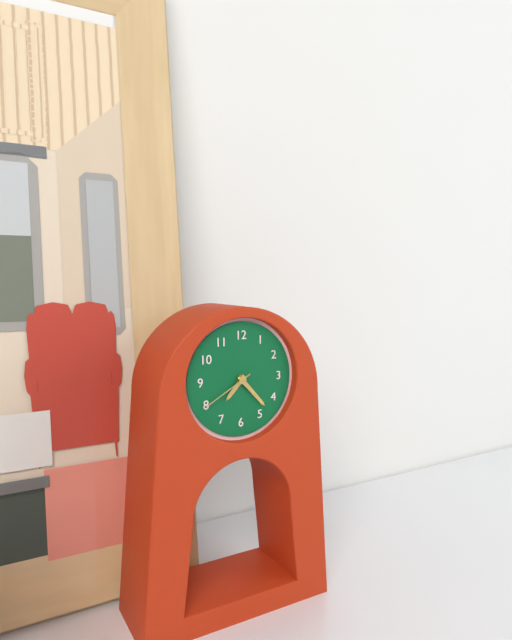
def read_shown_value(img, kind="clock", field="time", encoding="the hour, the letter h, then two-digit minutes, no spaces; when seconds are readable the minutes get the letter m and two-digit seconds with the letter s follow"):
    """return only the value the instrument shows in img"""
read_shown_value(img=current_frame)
7h23m40s
